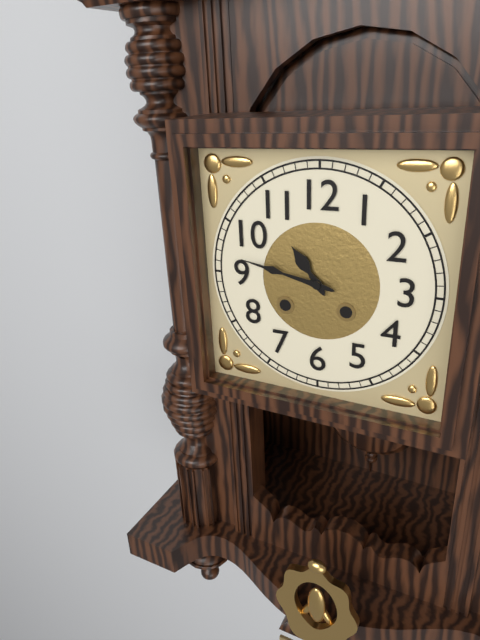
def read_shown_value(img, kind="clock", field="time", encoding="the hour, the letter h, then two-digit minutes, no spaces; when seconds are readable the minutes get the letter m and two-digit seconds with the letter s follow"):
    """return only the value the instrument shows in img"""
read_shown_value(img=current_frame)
10h47
